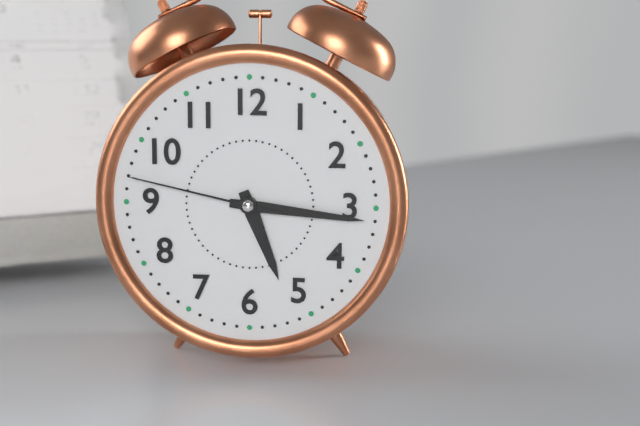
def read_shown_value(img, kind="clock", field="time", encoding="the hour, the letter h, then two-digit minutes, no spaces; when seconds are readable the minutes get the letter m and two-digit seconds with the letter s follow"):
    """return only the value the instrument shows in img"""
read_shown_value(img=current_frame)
5h16m47s
